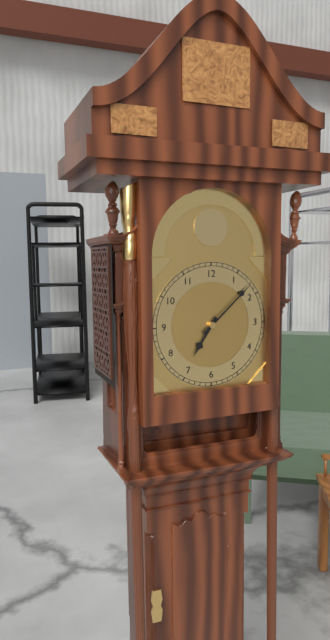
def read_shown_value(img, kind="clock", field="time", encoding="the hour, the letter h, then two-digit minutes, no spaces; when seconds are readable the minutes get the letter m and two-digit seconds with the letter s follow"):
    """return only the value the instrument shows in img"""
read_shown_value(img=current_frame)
7h08
